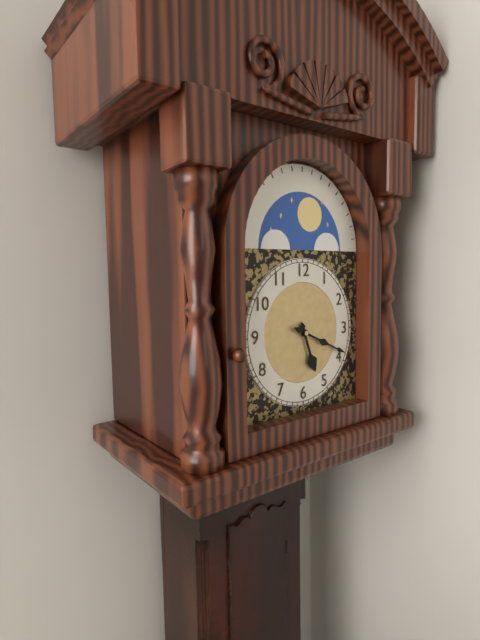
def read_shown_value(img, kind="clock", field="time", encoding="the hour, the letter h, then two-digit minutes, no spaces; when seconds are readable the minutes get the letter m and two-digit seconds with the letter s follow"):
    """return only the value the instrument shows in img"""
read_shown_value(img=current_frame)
5h19
